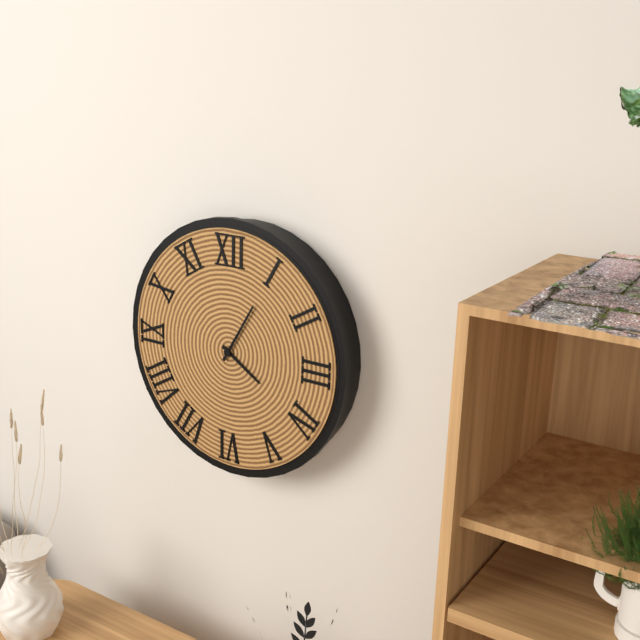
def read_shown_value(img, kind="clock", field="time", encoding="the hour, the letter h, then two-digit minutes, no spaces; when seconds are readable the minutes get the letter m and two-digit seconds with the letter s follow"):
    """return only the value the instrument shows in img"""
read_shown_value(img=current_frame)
4h05
